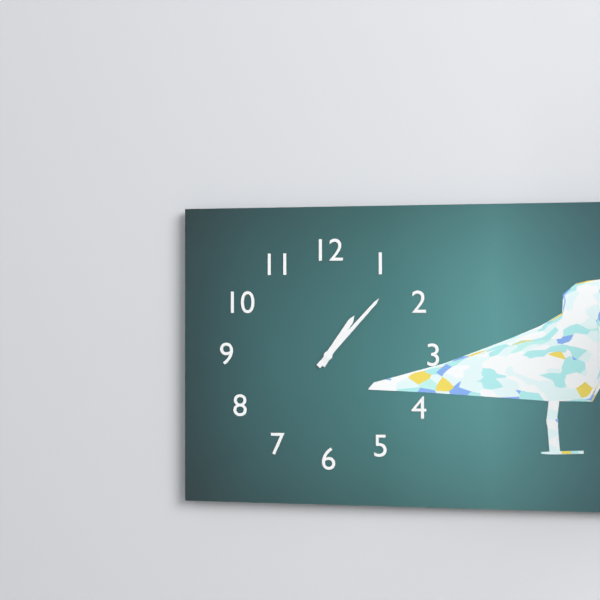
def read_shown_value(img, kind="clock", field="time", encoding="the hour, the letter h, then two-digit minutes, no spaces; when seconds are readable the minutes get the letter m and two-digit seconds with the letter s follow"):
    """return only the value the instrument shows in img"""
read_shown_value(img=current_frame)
1h07
